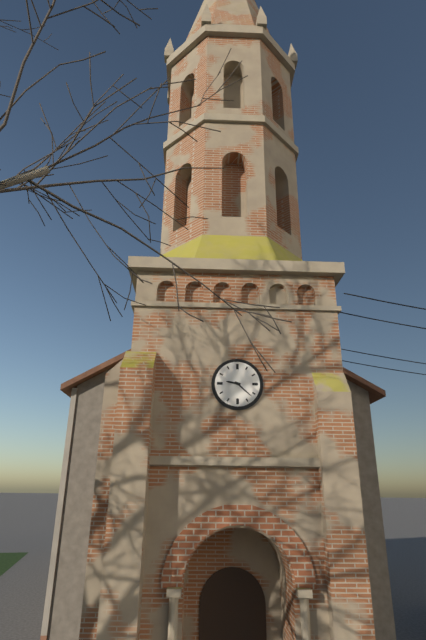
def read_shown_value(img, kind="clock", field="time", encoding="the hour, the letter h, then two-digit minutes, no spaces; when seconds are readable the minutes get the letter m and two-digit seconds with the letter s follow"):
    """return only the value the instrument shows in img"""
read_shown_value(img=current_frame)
9h22
